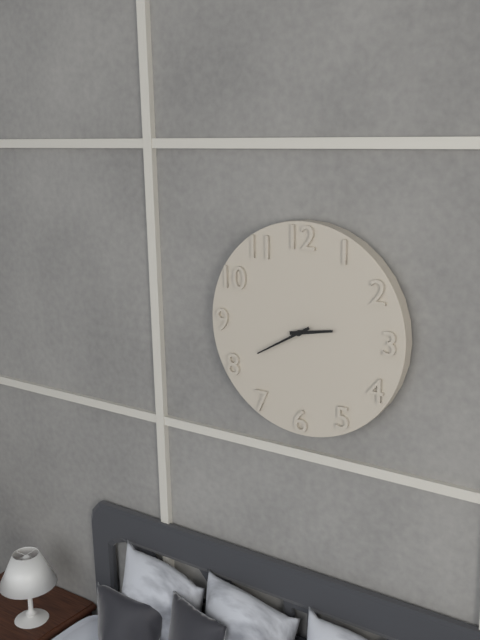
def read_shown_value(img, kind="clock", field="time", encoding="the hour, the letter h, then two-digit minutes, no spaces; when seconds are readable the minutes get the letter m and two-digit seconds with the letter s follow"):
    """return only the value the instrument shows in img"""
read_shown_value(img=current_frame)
2h40
